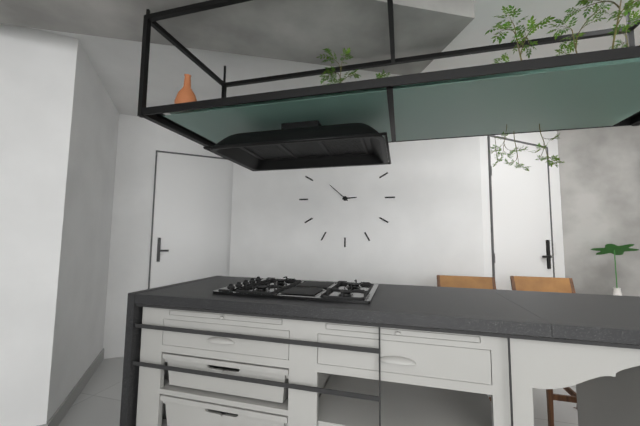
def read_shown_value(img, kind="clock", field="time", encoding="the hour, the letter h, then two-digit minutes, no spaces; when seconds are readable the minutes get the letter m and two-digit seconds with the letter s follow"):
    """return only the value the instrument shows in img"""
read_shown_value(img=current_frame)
2h52
